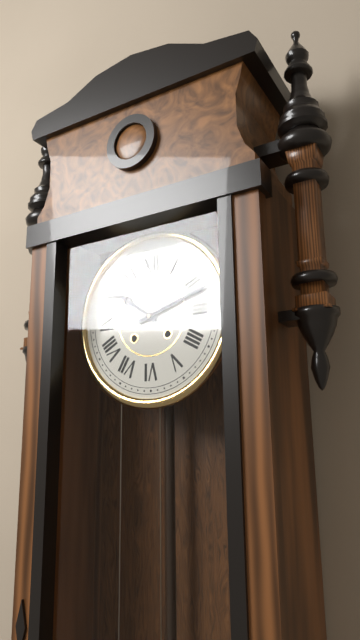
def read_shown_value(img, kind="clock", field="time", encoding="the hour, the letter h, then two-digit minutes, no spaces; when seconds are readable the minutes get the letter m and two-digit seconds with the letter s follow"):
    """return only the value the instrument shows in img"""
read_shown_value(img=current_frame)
10h12
